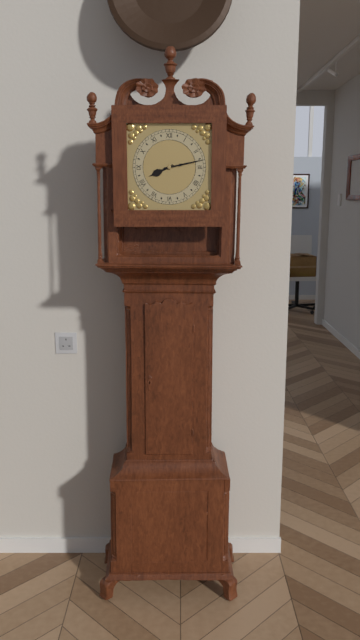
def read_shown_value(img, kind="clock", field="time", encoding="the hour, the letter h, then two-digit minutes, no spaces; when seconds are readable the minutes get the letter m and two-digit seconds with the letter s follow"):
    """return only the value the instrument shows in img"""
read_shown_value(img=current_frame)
8h13
